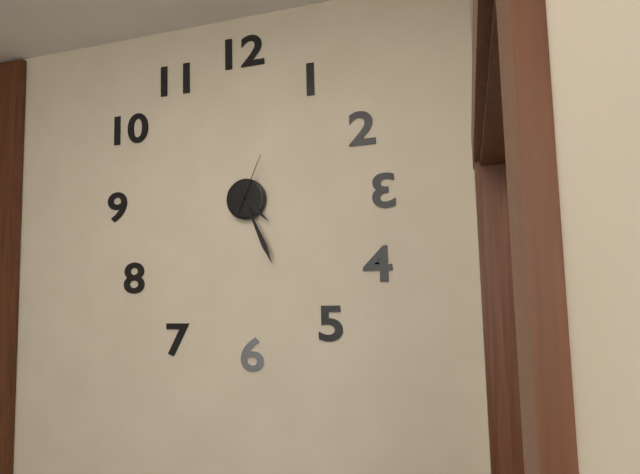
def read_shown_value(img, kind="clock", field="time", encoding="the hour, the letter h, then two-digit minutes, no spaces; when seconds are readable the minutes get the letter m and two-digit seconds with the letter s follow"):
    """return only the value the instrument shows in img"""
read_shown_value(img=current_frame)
4h26m04s
